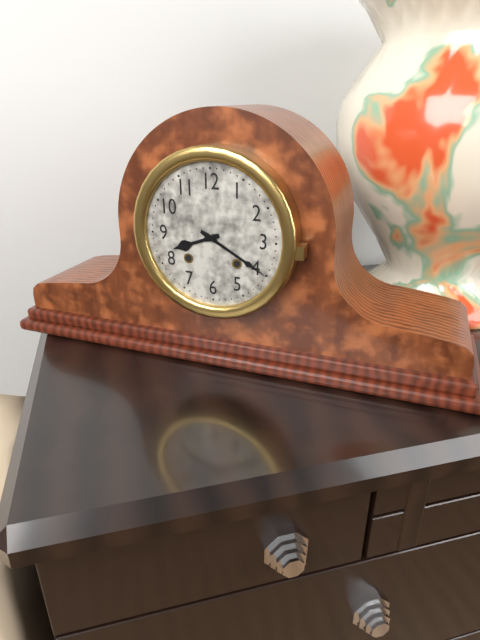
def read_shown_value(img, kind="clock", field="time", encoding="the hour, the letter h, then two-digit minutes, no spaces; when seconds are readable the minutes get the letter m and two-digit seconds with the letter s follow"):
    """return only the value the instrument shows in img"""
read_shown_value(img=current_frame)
8h20
